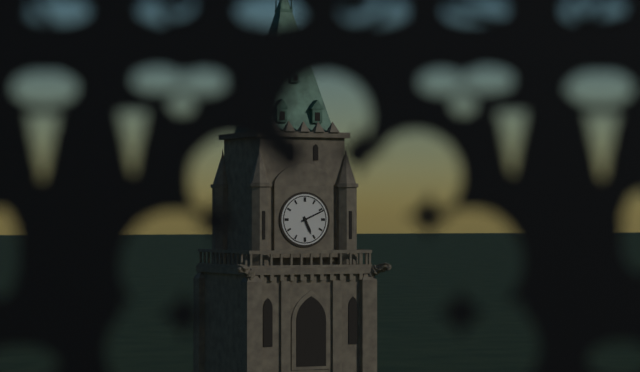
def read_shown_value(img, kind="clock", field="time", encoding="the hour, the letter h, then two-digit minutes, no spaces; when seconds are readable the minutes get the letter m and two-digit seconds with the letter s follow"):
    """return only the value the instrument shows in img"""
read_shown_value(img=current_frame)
5h11
